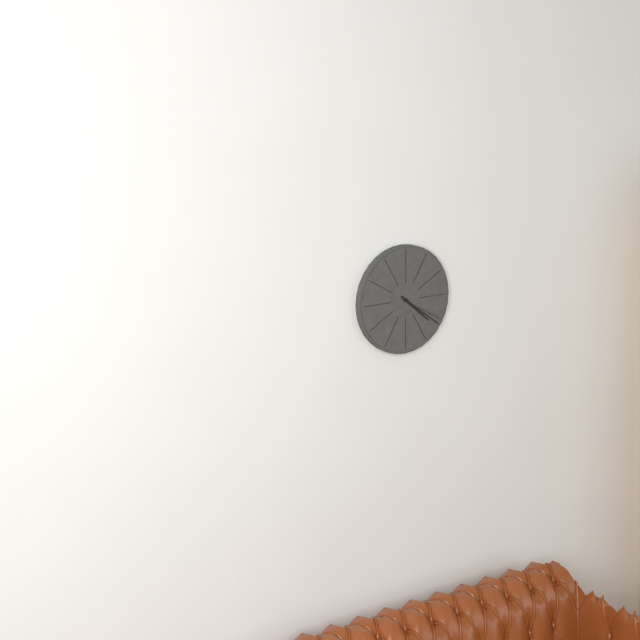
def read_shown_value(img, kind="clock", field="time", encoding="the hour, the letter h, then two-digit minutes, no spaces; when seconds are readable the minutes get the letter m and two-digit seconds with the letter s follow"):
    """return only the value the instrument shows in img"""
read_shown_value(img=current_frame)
4h21
